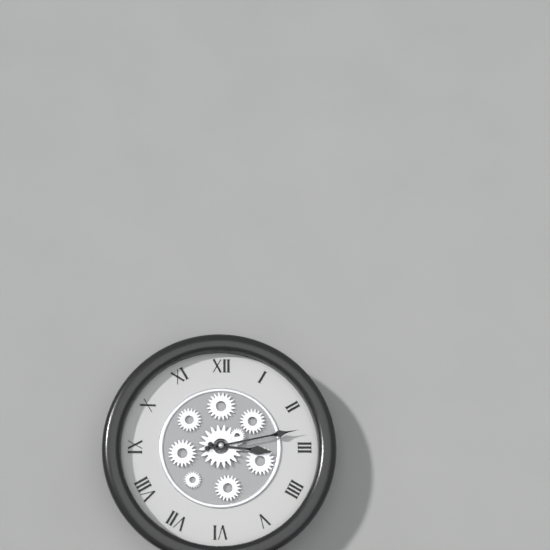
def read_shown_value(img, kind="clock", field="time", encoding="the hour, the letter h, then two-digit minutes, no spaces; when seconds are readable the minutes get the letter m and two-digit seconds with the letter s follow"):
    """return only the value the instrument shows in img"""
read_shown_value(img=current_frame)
3h13
